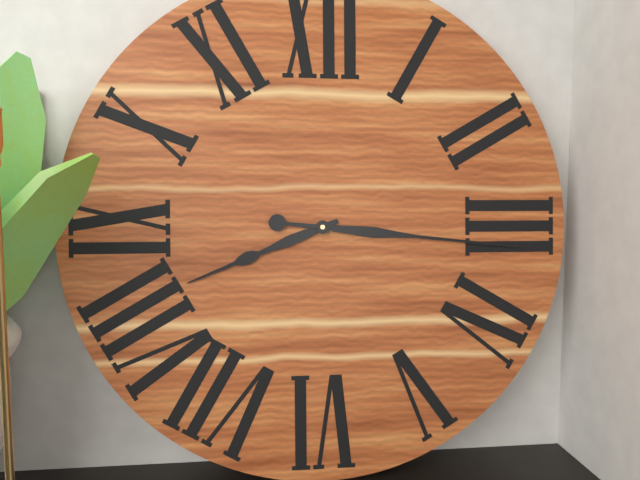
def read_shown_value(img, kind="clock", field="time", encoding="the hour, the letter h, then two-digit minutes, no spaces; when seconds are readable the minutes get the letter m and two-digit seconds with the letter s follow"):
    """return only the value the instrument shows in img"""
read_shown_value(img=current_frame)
8h16
